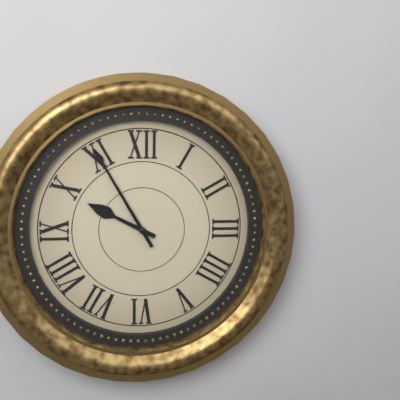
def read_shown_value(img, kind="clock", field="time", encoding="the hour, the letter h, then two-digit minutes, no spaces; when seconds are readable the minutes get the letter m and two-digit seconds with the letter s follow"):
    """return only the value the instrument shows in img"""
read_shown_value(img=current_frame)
9h55
